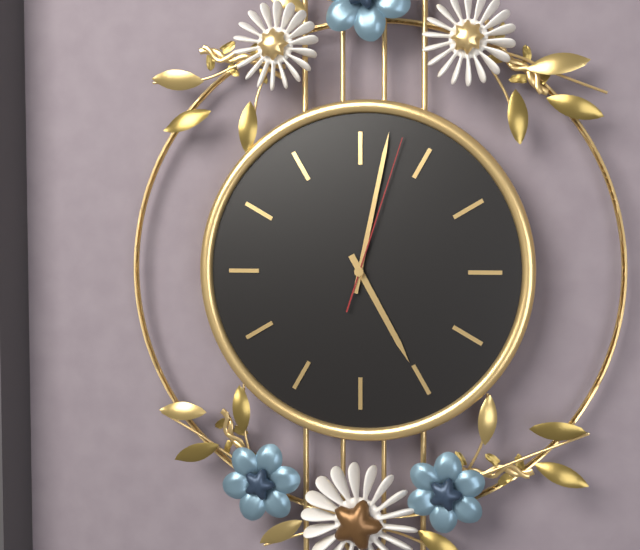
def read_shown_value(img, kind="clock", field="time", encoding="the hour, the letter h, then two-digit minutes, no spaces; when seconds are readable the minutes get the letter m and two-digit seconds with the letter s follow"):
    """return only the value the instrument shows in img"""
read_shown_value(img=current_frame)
5h02m03s
